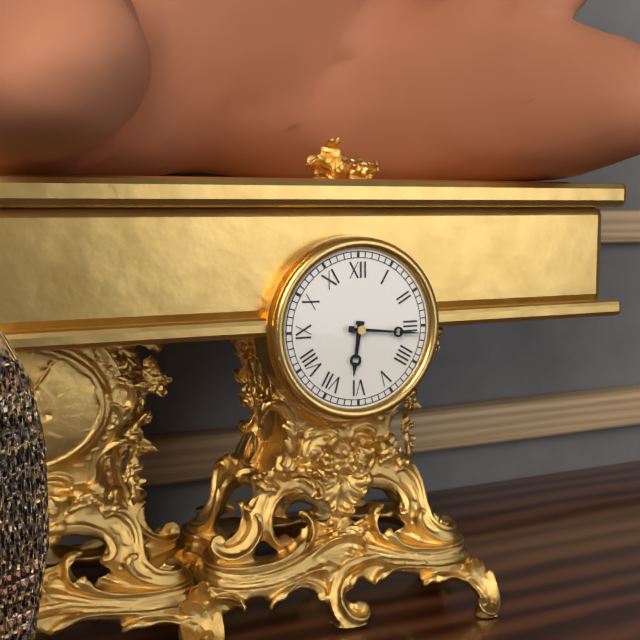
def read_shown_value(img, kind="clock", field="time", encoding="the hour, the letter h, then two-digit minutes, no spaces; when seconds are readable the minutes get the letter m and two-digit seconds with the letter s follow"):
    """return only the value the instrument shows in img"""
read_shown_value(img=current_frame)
6h16
